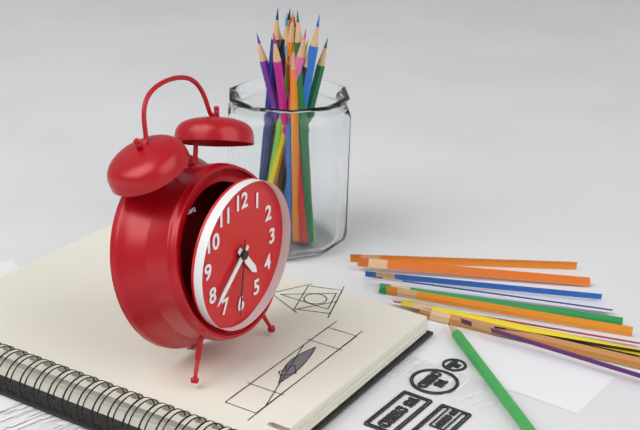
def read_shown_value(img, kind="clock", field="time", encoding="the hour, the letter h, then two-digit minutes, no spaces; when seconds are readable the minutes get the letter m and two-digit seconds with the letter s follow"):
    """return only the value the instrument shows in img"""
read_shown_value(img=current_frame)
4h38m31s
